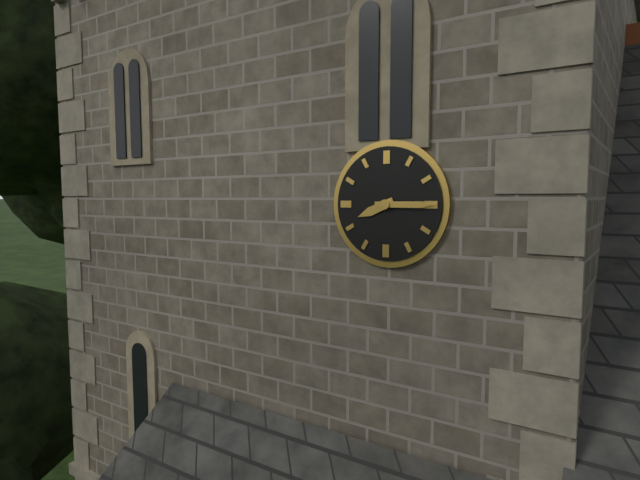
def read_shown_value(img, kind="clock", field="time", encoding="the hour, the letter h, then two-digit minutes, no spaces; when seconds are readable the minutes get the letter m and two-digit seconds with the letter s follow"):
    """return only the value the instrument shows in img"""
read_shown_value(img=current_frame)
8h15
